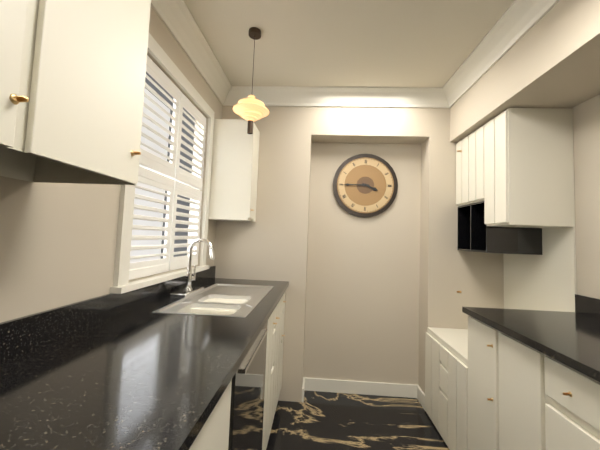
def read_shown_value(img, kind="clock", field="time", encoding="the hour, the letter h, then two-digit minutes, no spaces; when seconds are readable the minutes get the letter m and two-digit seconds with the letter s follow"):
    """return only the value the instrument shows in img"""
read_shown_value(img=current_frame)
3h45
